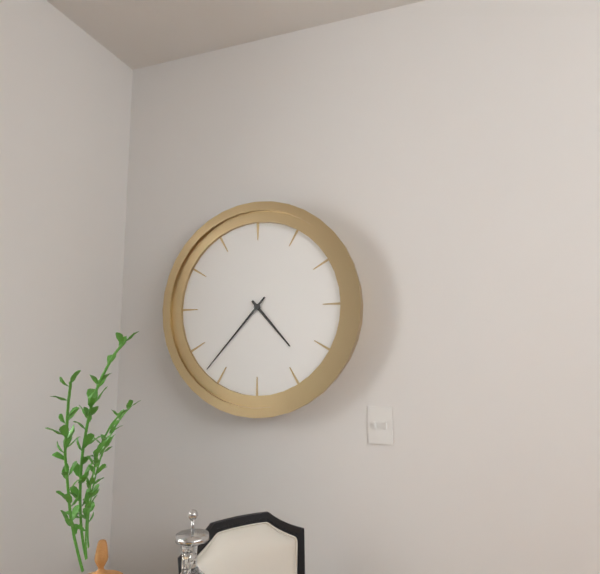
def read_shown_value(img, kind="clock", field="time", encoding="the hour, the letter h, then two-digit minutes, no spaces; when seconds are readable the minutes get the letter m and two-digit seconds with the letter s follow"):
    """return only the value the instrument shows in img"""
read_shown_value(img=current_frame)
4h37
